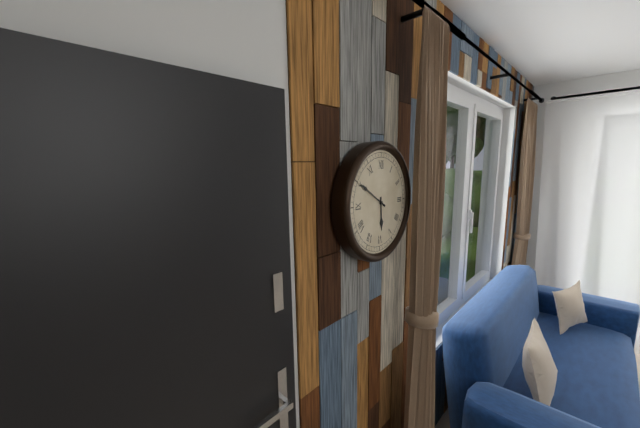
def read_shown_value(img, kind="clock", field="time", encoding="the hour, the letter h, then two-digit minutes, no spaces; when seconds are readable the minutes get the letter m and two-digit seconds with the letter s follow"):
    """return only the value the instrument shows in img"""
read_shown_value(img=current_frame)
5h50
